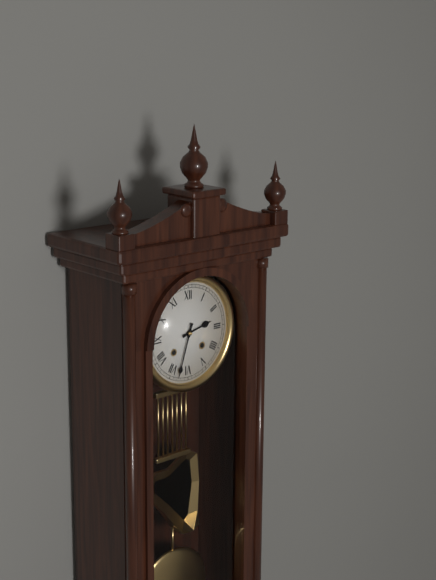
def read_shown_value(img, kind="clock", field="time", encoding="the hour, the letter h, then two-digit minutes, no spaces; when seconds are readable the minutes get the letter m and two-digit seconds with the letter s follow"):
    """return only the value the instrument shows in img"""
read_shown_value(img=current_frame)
2h33
